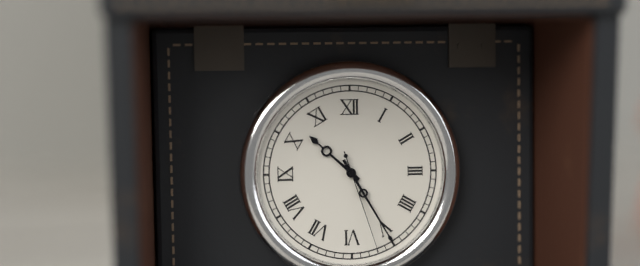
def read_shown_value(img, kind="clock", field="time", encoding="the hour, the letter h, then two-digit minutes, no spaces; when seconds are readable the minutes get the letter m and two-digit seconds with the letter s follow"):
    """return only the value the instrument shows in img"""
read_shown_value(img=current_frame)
10h25m27s
